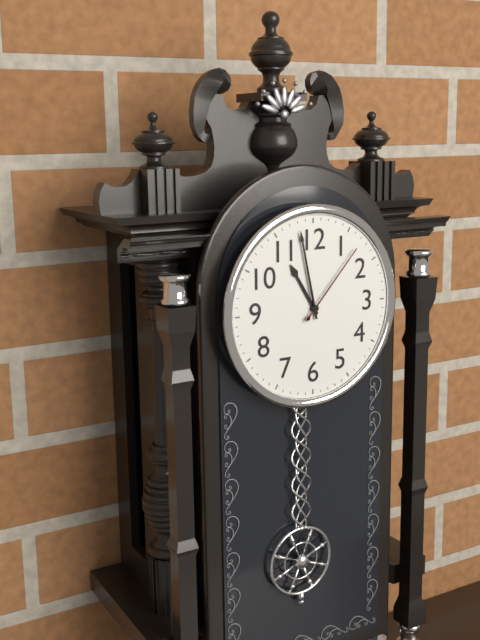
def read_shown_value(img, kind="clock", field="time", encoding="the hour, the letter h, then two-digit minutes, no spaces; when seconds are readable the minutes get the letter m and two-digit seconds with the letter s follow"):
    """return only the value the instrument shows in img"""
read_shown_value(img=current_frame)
10h58m07s
